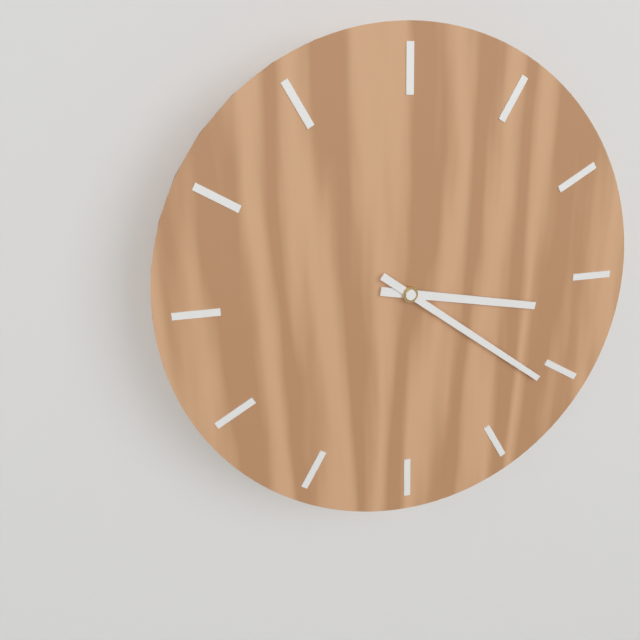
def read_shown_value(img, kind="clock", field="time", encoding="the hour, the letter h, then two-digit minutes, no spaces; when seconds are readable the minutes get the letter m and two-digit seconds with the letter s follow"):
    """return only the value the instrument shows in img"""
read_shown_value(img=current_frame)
3h21
